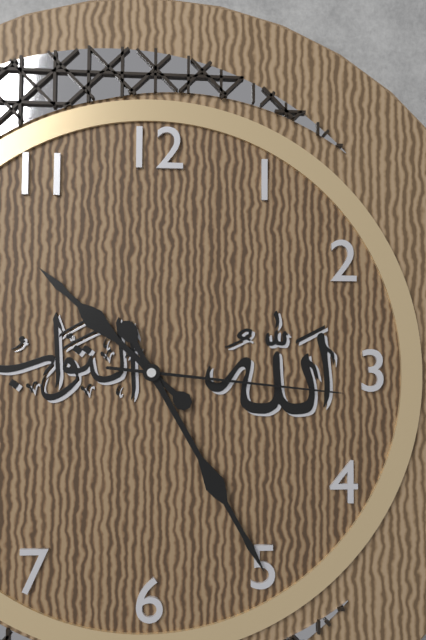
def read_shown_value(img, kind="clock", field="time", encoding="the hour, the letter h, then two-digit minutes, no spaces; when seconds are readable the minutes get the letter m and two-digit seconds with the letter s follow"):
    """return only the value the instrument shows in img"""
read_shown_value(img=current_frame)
10h25m16s
